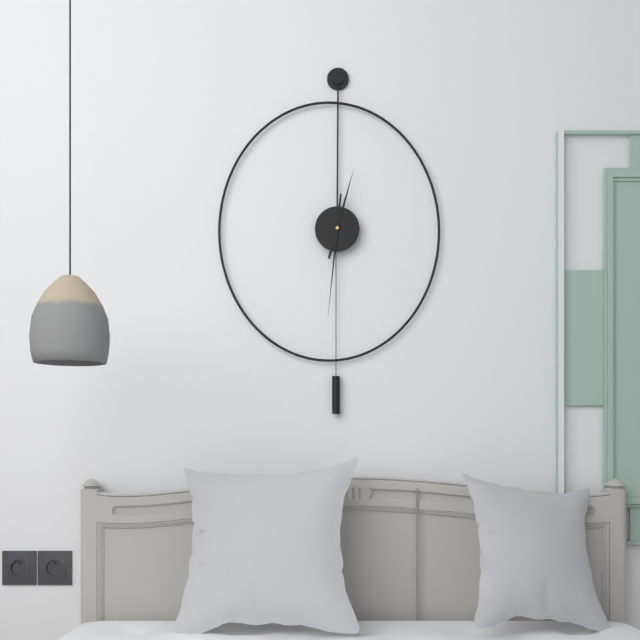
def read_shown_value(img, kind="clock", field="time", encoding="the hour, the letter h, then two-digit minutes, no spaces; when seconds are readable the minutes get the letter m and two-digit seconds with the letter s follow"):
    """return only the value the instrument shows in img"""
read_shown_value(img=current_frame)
12h31
